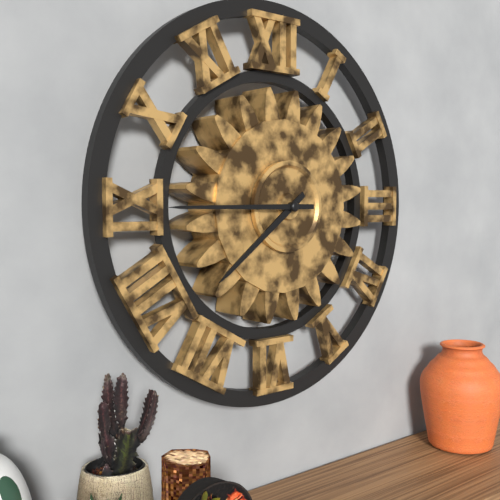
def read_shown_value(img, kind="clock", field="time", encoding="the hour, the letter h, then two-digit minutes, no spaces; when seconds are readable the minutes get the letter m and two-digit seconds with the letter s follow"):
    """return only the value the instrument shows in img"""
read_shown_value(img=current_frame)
7h45
